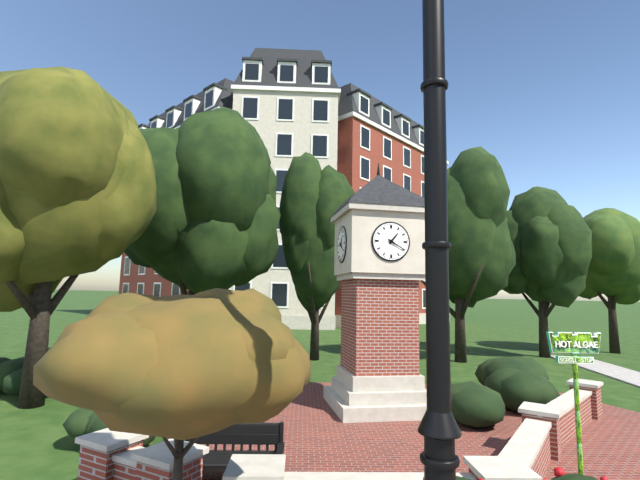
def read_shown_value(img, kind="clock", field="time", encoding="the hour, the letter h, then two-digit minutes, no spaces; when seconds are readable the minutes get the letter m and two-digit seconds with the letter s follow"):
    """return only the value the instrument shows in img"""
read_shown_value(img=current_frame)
1h20
